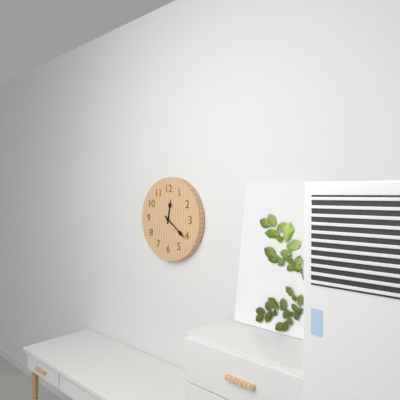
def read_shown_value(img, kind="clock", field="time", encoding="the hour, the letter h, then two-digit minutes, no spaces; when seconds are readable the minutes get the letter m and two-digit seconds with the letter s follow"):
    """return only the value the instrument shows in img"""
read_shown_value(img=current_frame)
12h21
